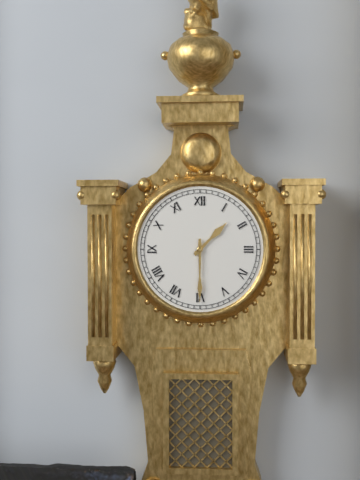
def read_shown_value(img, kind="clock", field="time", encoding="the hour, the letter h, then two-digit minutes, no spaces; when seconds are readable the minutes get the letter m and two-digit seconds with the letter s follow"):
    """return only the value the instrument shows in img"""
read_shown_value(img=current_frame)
1h30
